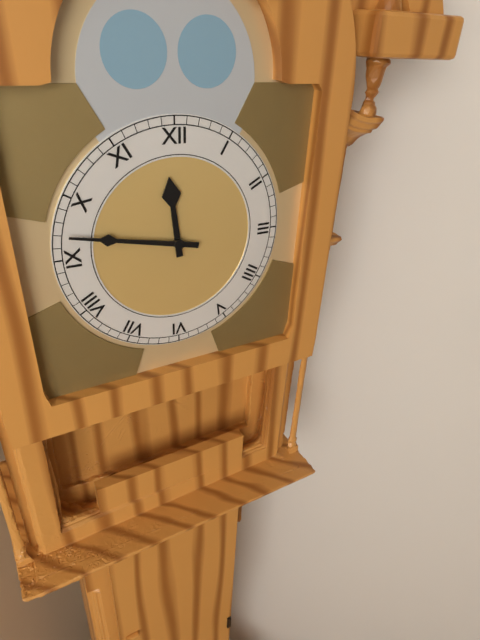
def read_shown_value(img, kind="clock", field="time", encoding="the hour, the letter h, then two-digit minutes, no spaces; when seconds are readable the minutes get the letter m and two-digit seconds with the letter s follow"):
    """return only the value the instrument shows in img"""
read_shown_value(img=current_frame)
11h47
